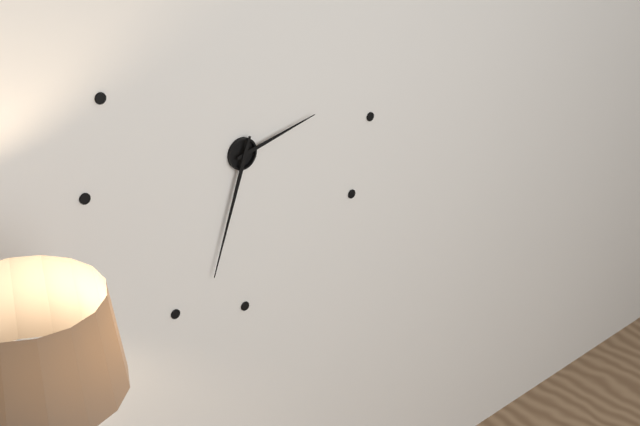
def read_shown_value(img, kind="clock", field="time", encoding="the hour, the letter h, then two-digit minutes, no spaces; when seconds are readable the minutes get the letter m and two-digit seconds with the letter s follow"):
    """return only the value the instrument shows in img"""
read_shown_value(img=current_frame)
2h33
